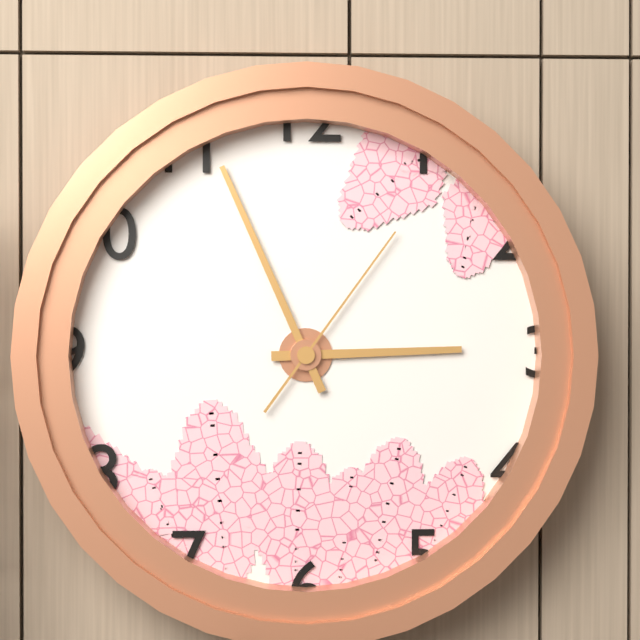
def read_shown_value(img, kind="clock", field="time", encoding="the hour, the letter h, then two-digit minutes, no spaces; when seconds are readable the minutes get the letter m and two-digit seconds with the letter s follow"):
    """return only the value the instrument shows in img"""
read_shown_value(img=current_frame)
2h56m06s
